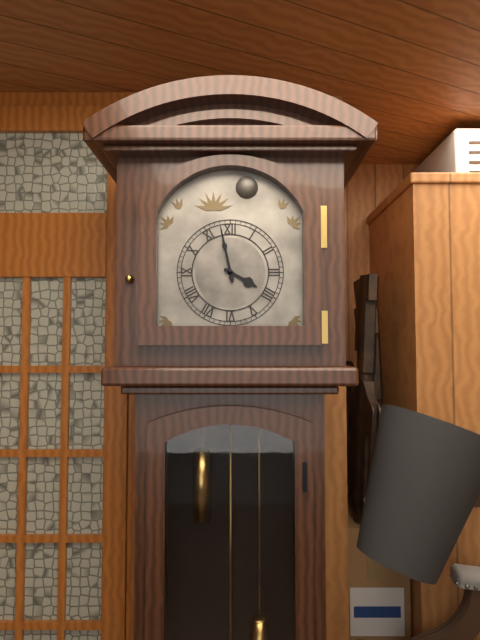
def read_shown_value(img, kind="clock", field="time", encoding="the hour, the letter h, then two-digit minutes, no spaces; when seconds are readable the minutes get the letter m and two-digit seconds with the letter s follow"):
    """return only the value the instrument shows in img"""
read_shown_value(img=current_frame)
3h58
